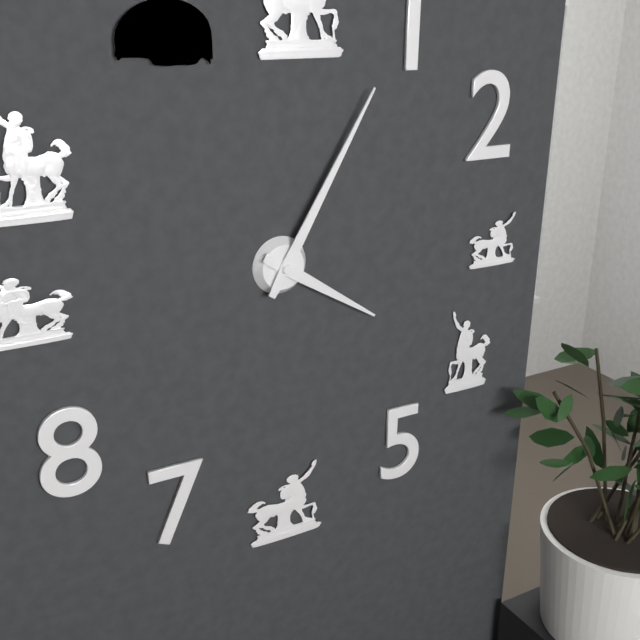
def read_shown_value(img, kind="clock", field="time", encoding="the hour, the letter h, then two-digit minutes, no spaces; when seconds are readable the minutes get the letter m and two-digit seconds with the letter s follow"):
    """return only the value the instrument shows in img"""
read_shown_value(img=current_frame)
4h05
